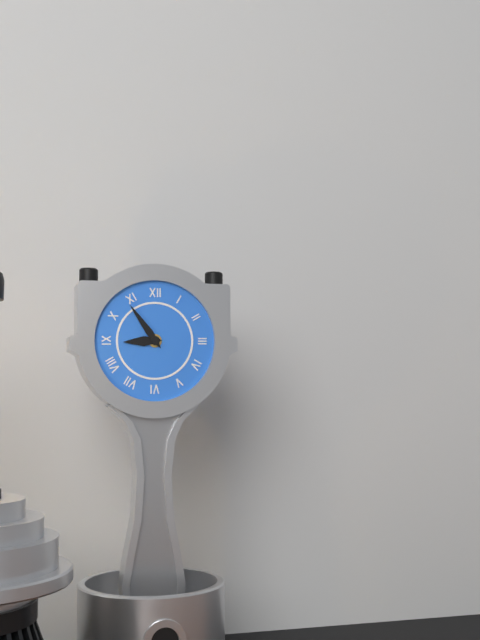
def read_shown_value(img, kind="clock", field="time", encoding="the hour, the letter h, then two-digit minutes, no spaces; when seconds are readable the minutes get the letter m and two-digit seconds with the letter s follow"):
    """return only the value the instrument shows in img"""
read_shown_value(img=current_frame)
8h54
